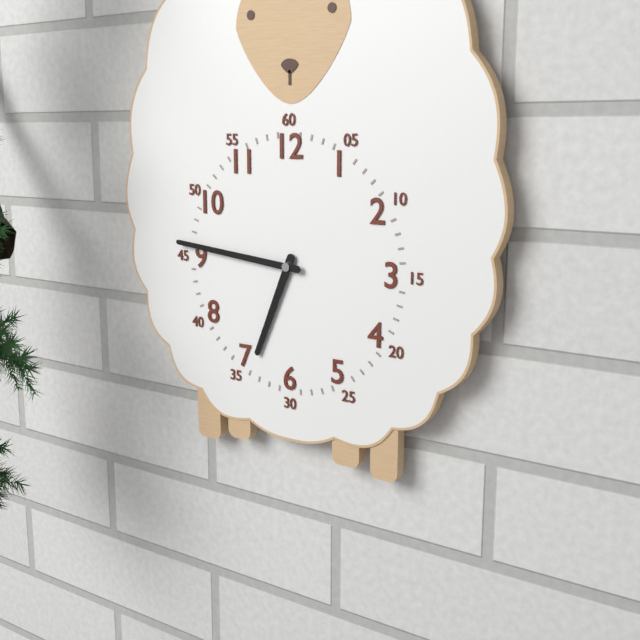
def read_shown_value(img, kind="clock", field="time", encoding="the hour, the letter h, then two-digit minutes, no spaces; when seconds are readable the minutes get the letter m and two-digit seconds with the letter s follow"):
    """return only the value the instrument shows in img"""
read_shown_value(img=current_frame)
6h46
